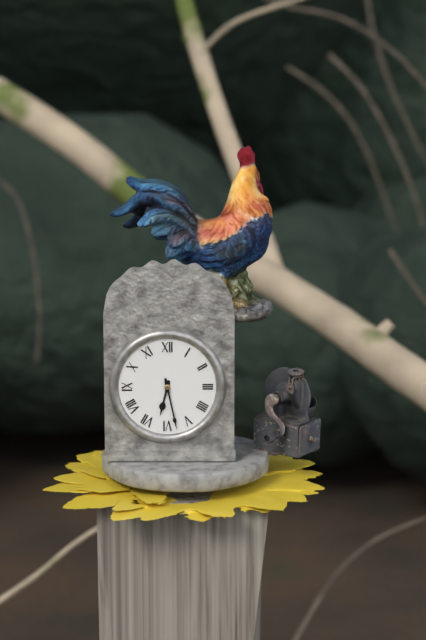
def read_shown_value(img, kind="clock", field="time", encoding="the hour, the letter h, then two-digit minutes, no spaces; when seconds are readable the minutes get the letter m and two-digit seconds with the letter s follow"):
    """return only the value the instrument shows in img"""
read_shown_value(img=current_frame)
6h28
